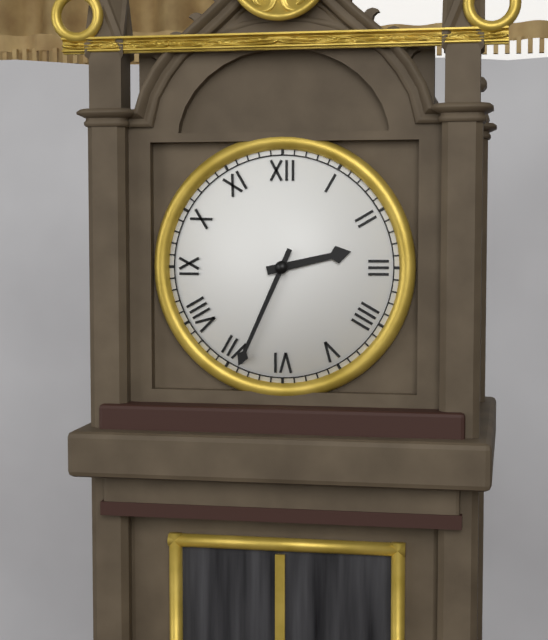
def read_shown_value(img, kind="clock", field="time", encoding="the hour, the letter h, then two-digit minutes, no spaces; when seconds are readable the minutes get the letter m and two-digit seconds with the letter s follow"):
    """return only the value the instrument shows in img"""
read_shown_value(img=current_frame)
2h34
